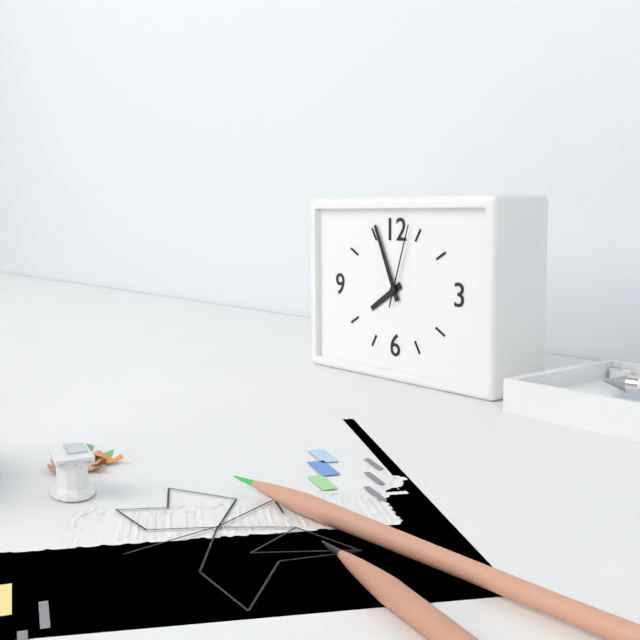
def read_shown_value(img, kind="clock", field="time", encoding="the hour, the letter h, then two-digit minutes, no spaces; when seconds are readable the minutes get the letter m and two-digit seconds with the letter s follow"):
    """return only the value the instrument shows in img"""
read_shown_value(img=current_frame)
7h56m03s
